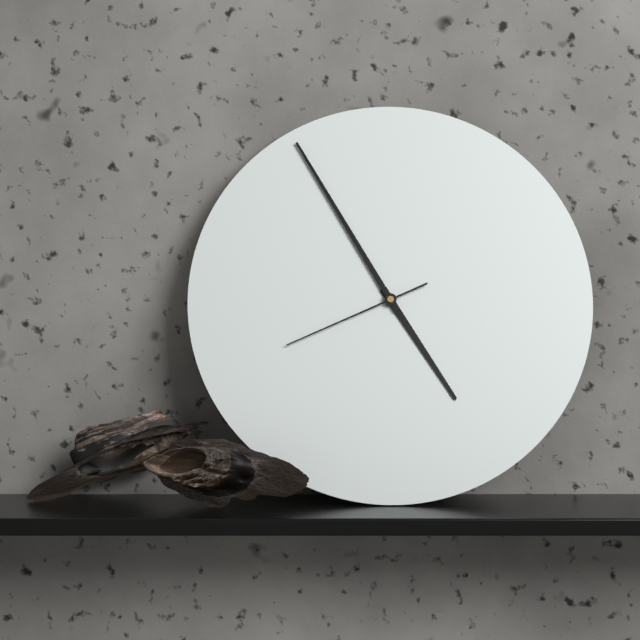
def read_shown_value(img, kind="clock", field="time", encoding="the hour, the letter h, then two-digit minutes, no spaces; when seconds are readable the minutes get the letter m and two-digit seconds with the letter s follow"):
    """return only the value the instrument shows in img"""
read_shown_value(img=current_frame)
4h55m41s
